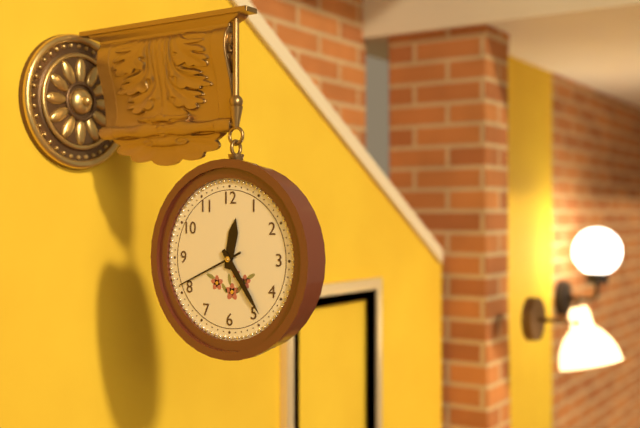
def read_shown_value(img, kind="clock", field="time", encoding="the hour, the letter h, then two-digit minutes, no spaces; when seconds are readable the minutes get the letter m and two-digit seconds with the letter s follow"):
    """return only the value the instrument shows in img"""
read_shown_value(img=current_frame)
12h24m41s
